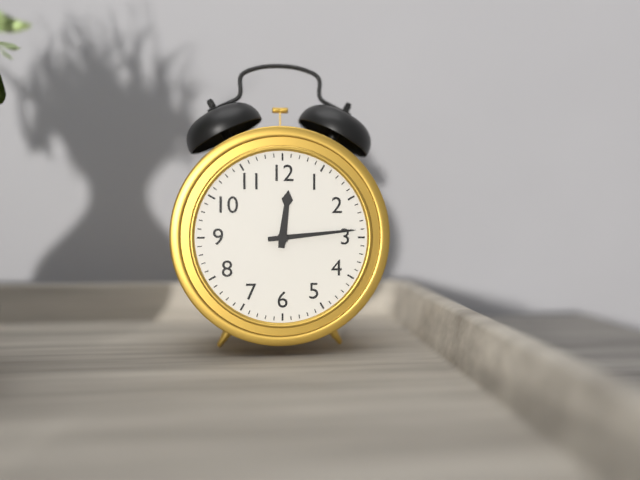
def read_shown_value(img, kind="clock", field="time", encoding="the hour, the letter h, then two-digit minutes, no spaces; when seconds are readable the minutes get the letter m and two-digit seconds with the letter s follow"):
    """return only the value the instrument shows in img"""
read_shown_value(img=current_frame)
12h14
